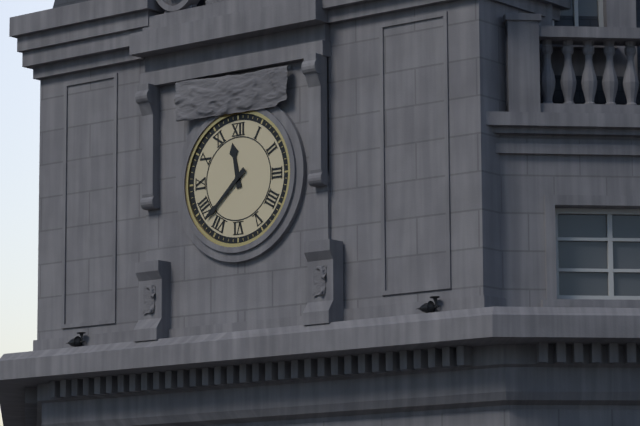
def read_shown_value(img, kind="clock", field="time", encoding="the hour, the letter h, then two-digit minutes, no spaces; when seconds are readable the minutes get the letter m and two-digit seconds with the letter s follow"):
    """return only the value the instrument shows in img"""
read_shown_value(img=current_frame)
11h38
